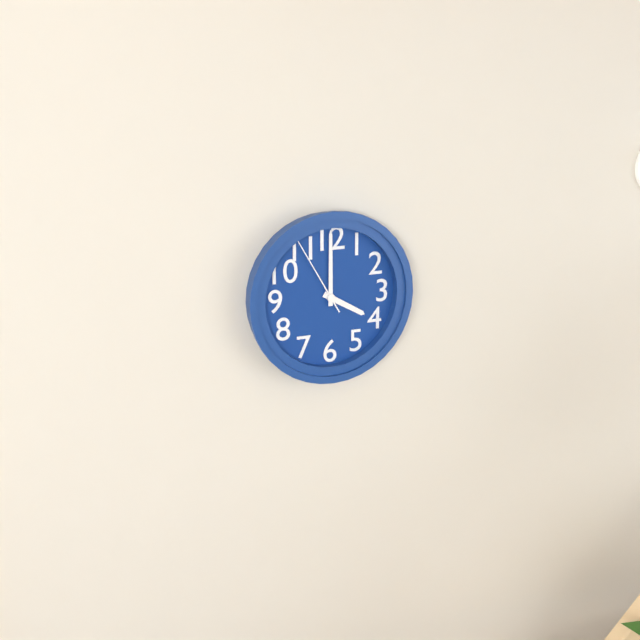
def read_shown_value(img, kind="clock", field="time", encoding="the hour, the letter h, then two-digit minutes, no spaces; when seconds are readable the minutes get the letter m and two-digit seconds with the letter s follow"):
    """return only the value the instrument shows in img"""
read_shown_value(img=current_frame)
4h00m55s
